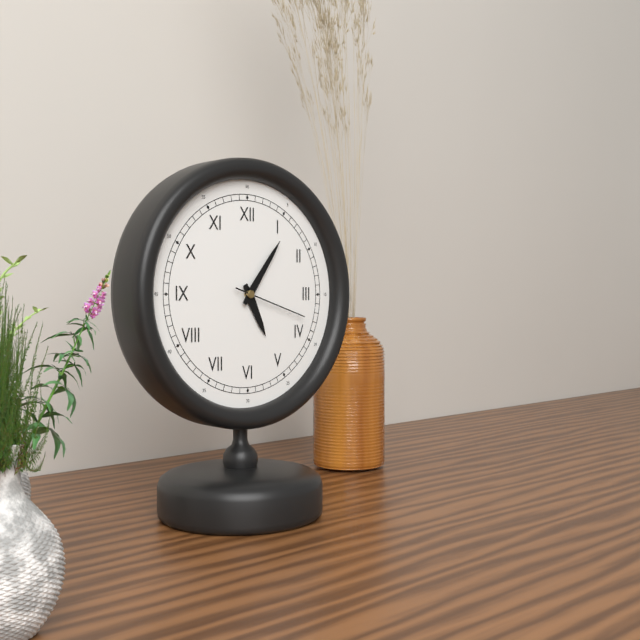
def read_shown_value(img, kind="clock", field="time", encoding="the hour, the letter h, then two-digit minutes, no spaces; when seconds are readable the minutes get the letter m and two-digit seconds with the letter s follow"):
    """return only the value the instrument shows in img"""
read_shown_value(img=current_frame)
5h06m18s
